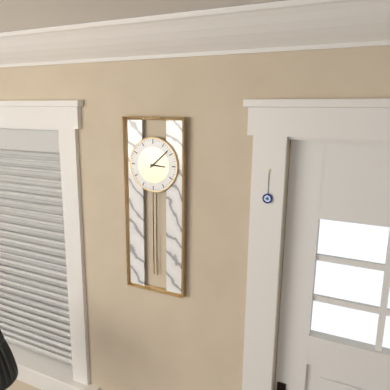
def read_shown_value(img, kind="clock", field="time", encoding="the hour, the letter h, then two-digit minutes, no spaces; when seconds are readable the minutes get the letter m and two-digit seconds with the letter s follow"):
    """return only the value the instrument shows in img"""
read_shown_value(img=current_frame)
3h08
